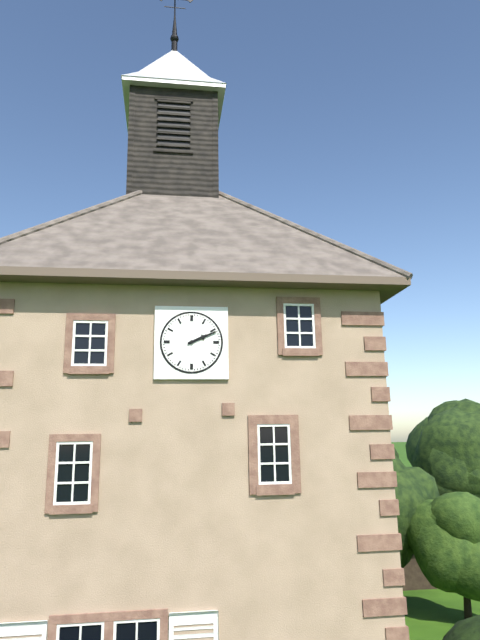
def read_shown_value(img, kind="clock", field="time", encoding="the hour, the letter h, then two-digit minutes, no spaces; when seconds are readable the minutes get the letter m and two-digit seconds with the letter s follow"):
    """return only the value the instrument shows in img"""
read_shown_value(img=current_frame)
2h11
